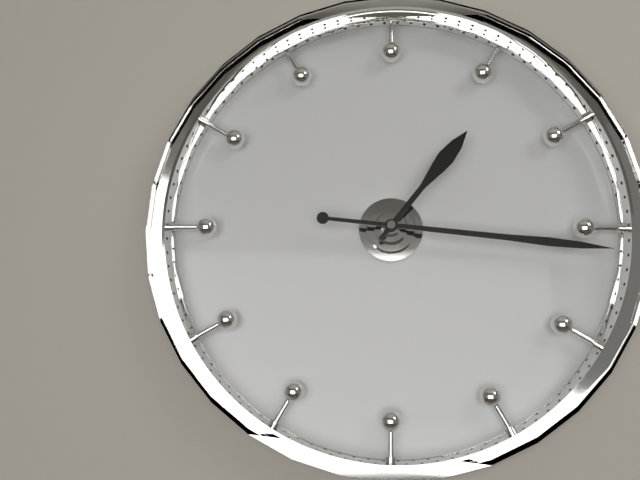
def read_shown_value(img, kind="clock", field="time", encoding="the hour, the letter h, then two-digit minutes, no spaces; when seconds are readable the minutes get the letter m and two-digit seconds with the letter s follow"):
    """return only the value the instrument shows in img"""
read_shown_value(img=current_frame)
1h16
